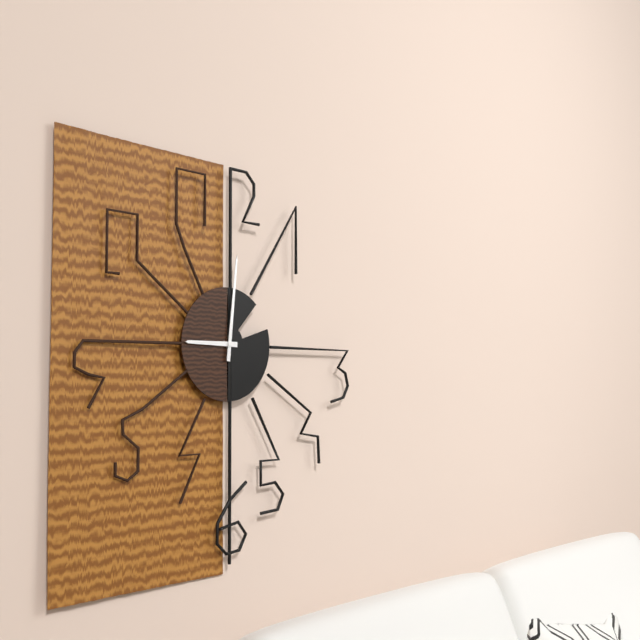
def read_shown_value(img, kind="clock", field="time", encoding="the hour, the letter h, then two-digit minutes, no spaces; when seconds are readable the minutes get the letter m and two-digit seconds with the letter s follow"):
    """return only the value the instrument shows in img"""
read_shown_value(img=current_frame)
9h01
